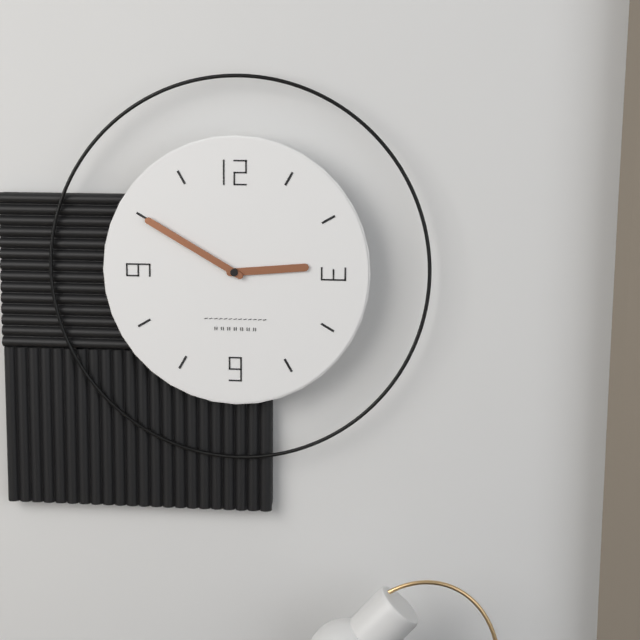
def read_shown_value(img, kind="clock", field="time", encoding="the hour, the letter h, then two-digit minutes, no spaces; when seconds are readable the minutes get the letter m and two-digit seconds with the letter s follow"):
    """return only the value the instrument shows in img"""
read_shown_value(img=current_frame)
2h50
